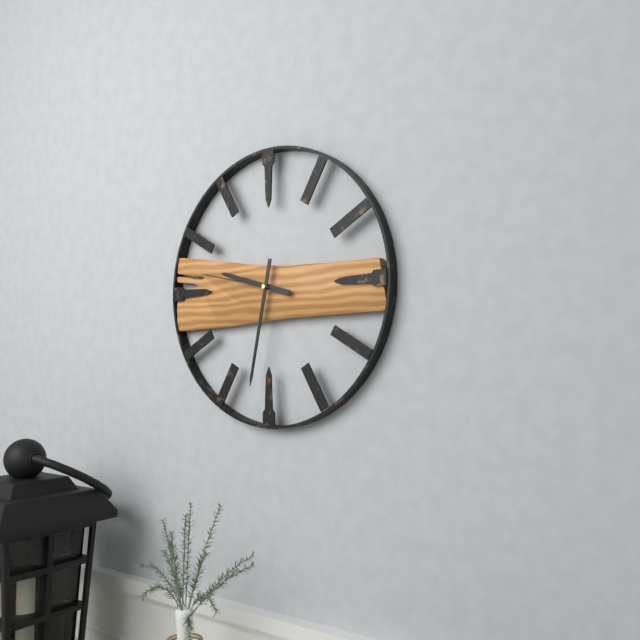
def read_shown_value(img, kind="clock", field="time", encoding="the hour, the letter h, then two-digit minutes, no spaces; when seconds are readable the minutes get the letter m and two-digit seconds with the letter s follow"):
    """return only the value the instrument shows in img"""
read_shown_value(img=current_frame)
9h32m47s
